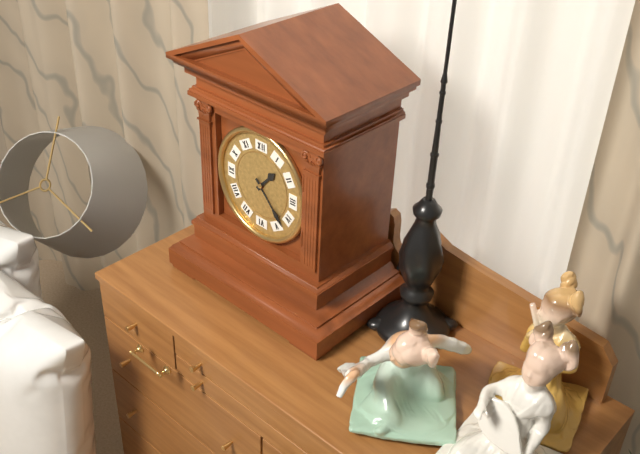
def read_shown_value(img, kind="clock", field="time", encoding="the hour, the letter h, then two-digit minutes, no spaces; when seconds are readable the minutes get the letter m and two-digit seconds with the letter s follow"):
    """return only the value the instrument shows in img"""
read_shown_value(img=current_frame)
1h23
